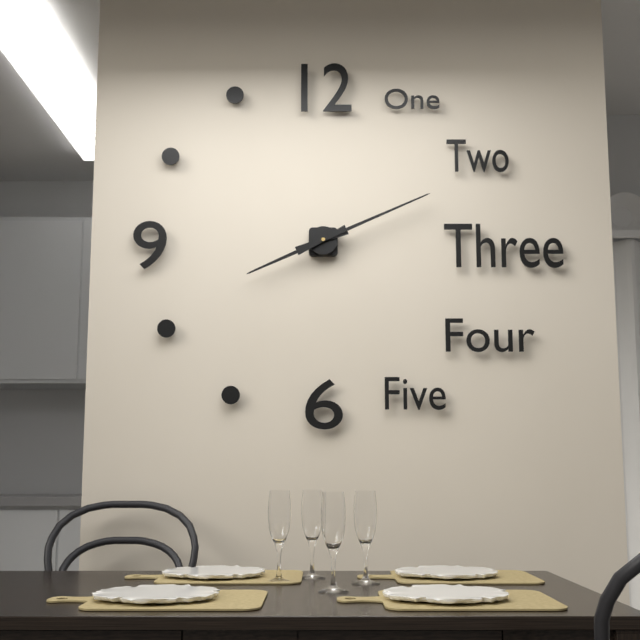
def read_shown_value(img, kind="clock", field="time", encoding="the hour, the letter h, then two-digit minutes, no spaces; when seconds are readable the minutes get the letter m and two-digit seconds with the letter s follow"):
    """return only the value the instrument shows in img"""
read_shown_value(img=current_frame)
8h11
